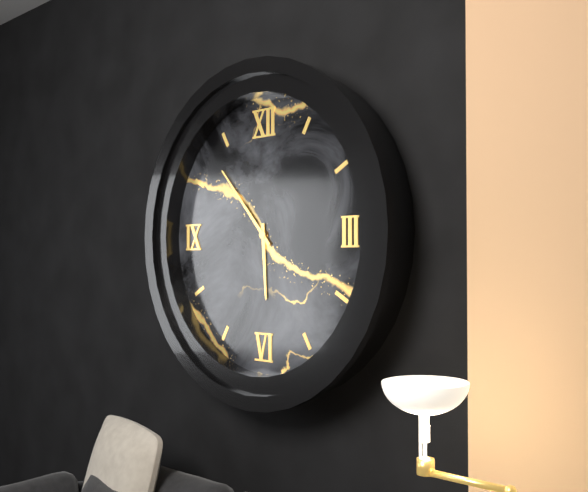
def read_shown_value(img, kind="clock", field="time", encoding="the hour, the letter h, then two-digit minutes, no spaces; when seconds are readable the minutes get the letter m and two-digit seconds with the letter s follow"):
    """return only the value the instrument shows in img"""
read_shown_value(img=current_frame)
5h53
